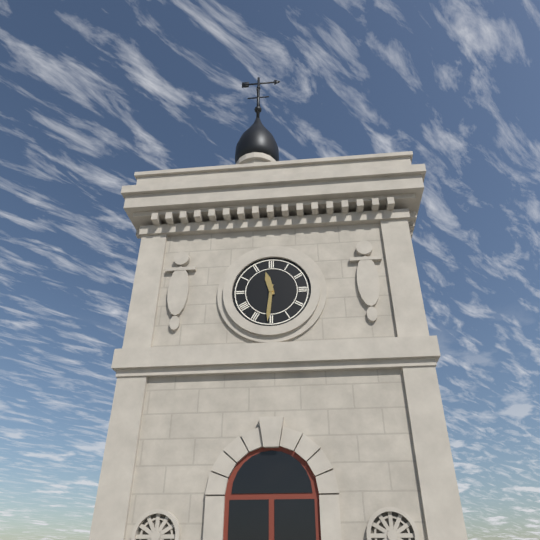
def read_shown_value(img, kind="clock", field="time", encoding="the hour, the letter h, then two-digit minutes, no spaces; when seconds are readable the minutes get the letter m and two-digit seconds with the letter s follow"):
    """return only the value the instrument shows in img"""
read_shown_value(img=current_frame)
11h31
